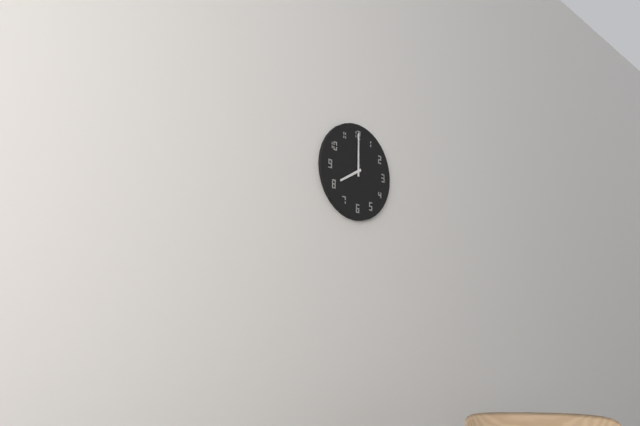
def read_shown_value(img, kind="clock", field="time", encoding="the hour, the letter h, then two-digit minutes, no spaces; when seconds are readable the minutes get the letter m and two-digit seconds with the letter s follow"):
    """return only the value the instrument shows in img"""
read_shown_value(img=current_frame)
8h00
